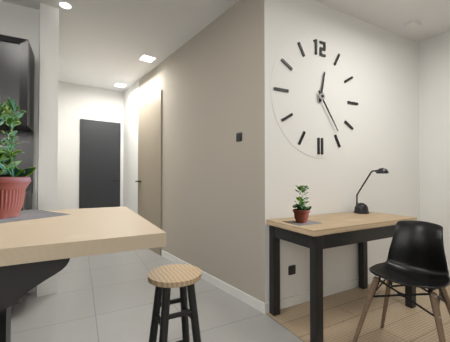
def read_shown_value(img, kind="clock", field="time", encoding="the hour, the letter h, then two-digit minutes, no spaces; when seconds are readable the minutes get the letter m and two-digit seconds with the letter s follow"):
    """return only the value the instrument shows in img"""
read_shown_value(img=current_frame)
12h24
